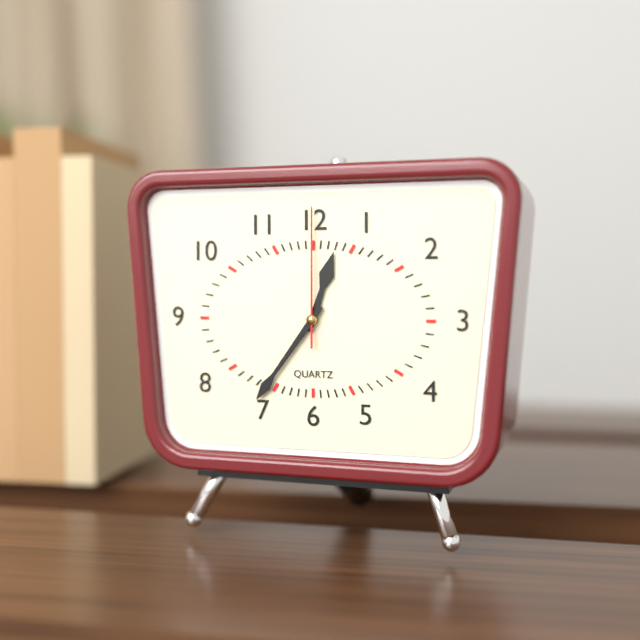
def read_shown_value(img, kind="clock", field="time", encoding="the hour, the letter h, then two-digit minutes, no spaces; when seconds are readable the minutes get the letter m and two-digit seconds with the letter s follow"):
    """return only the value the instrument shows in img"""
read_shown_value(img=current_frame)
12h36m00s
